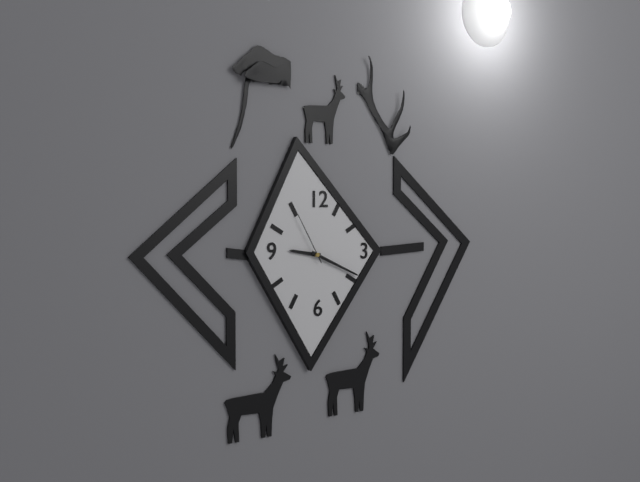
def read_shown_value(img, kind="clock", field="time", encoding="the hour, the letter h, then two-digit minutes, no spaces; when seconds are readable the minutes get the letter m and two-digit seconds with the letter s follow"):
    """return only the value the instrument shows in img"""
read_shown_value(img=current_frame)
9h19m55s
